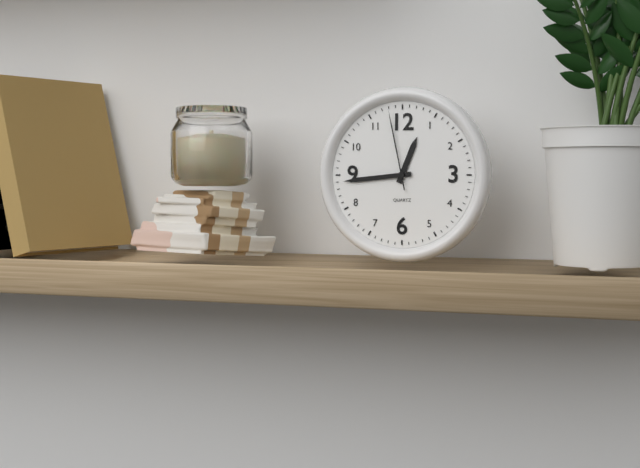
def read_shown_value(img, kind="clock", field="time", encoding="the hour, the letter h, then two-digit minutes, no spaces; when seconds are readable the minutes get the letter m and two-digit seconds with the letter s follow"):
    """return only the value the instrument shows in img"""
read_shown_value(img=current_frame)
12h44m58s
